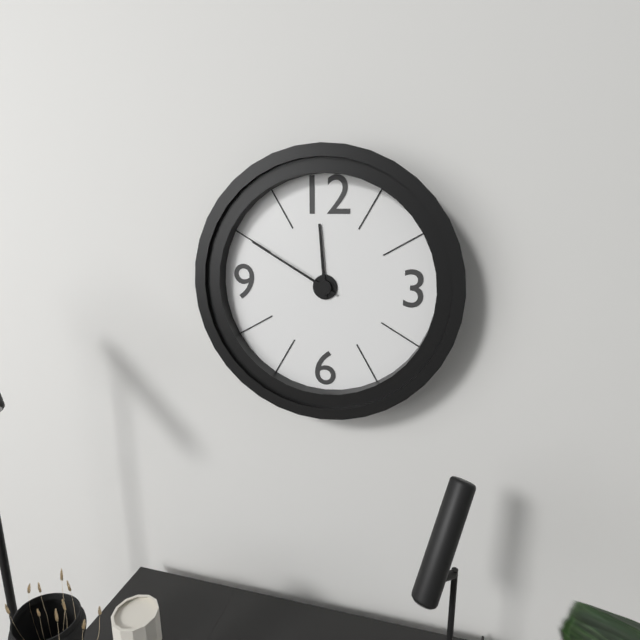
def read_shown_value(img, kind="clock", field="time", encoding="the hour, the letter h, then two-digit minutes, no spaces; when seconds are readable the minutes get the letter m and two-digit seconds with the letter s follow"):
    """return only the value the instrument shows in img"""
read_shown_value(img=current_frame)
11h50
